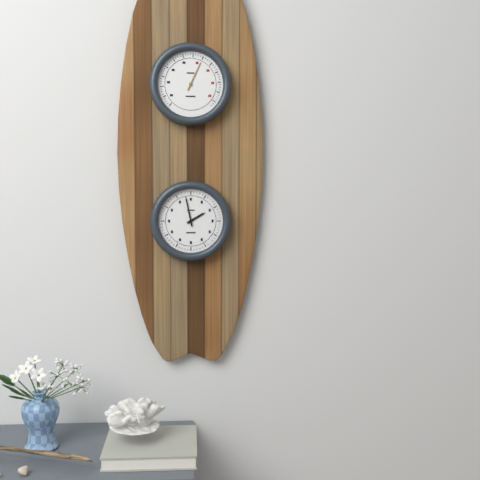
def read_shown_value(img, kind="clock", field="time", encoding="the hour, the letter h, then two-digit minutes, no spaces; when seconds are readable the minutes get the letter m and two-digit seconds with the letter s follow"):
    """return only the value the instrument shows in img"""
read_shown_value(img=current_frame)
1h58
